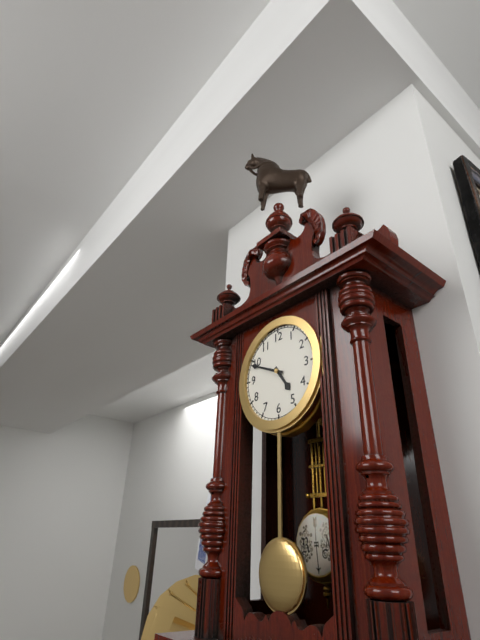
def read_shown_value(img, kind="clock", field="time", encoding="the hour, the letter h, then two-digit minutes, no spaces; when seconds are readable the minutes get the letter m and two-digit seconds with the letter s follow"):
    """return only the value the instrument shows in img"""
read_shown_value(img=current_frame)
4h49
